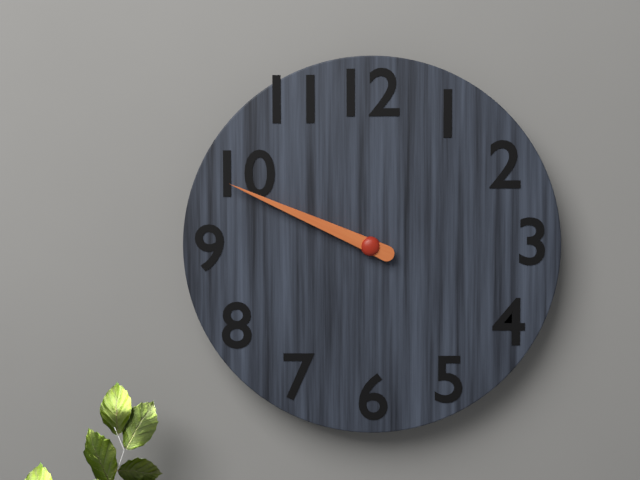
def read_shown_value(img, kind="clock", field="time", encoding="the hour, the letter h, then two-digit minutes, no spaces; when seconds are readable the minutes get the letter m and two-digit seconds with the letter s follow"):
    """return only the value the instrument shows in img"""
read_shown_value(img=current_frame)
9h49
